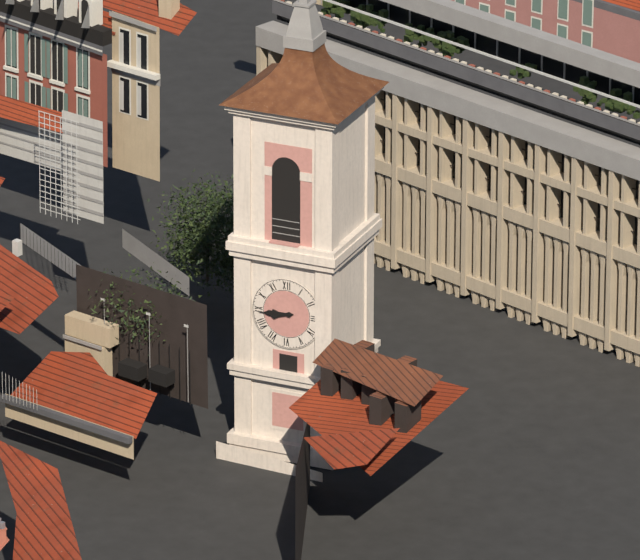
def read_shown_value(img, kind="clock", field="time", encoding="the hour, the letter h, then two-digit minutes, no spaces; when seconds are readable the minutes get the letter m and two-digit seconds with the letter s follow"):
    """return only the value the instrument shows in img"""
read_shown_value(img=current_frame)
8h44
